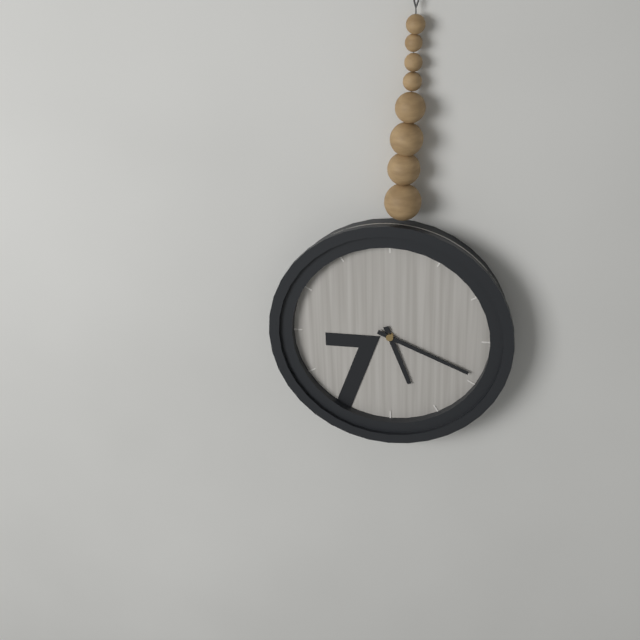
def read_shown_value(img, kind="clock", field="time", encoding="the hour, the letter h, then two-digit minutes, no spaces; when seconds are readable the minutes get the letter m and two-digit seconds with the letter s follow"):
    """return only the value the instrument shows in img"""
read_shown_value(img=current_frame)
5h19
